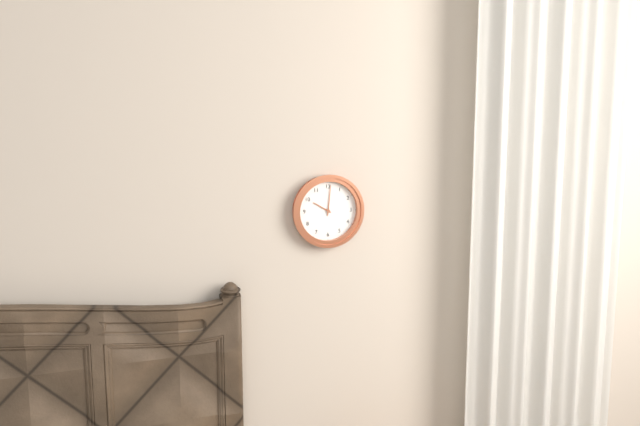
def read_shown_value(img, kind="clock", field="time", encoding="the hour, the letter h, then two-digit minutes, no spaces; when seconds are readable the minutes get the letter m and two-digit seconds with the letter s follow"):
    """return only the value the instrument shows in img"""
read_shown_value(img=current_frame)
10h01
